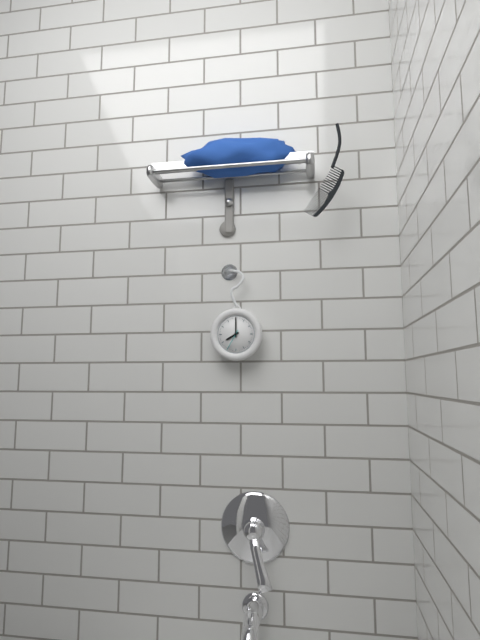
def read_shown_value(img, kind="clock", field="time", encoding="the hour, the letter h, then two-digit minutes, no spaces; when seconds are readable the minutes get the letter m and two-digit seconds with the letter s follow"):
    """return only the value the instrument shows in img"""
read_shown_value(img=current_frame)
8h00
